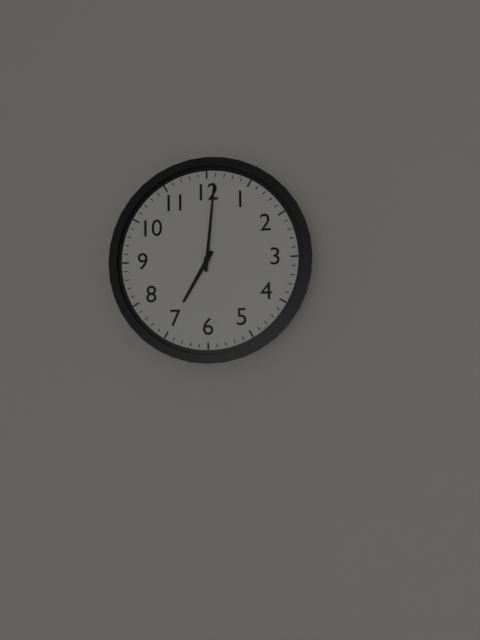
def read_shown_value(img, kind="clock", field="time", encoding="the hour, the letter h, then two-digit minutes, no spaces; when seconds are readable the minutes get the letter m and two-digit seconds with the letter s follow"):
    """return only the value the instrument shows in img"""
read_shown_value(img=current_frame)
7h01
